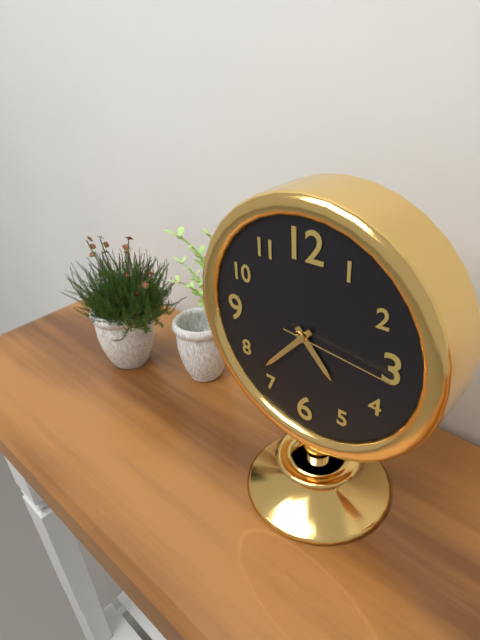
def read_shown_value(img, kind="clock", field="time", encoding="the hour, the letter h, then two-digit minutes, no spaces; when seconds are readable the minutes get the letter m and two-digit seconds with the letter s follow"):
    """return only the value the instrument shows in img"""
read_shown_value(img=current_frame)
4h37m16s
